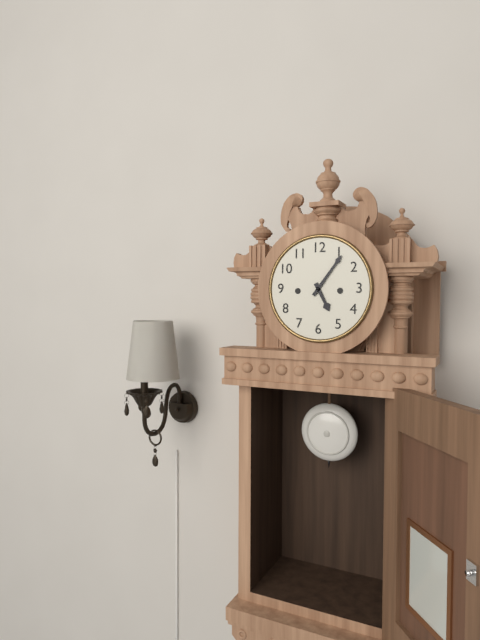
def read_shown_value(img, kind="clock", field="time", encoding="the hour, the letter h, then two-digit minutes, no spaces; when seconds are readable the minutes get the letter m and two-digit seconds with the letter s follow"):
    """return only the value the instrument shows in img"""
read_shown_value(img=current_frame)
5h06
